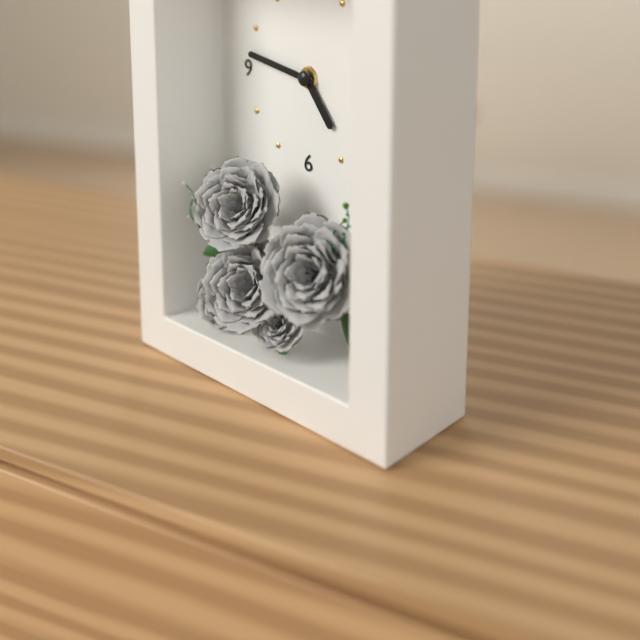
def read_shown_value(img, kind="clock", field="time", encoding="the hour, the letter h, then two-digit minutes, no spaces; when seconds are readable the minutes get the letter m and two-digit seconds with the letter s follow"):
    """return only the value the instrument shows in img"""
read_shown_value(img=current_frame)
4h47
